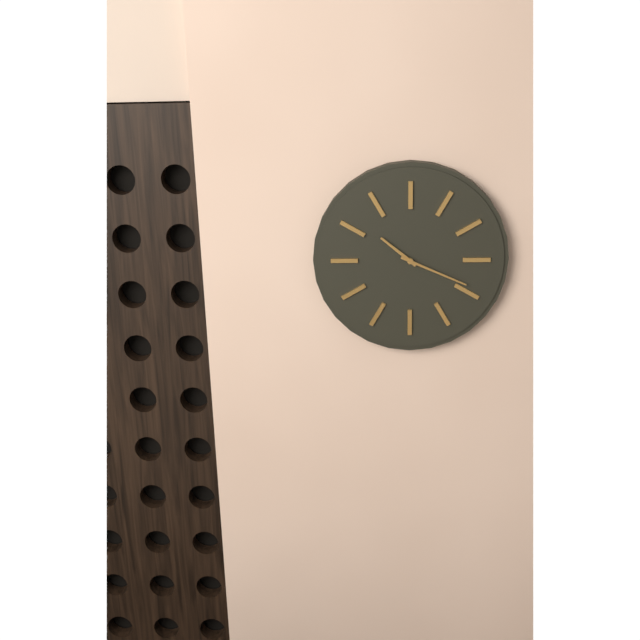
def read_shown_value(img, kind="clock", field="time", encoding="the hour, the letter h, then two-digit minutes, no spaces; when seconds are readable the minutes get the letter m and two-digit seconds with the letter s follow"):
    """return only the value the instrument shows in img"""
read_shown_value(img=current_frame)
10h19
